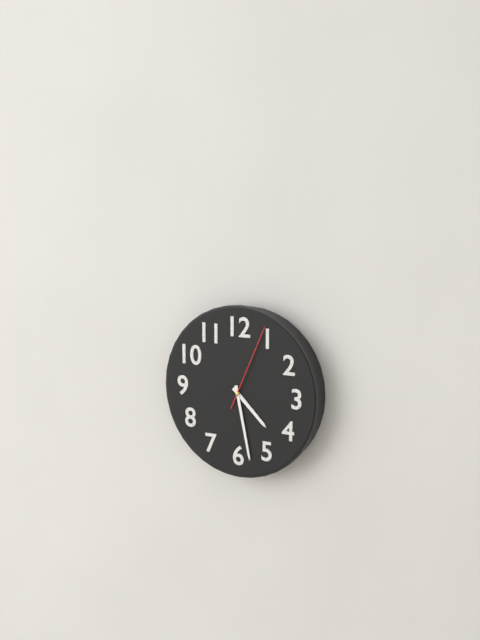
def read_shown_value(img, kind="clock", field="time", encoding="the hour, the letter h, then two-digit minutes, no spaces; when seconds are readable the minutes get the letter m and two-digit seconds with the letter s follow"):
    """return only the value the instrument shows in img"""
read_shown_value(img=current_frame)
4h28m04s
